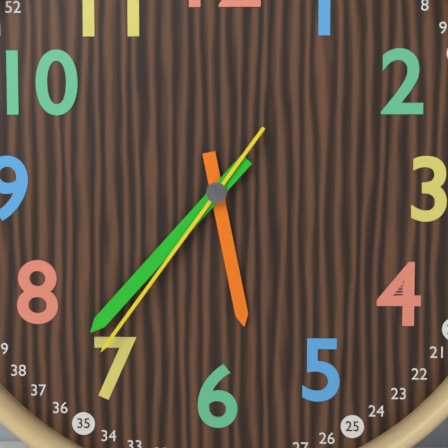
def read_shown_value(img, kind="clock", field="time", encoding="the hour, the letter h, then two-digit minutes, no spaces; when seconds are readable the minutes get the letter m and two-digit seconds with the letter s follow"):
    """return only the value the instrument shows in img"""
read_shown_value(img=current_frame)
5h37m36s
